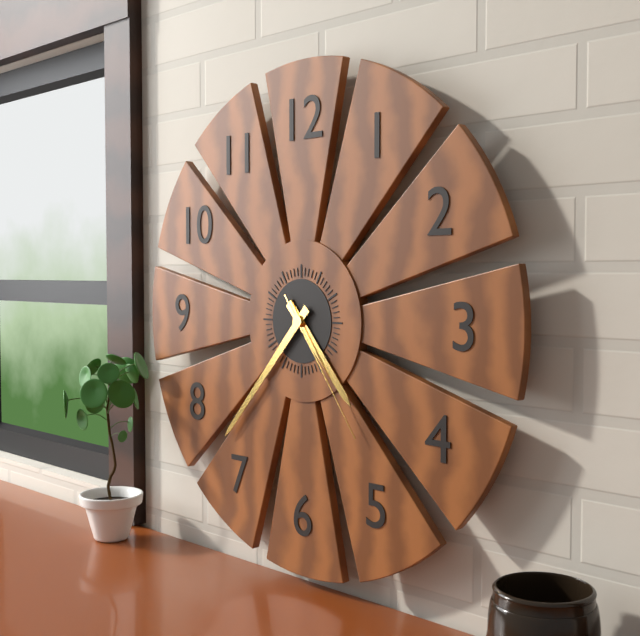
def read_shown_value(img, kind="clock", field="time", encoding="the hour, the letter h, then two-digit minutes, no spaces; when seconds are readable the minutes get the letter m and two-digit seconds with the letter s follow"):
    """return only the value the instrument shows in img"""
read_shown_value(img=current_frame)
4h37m24s
